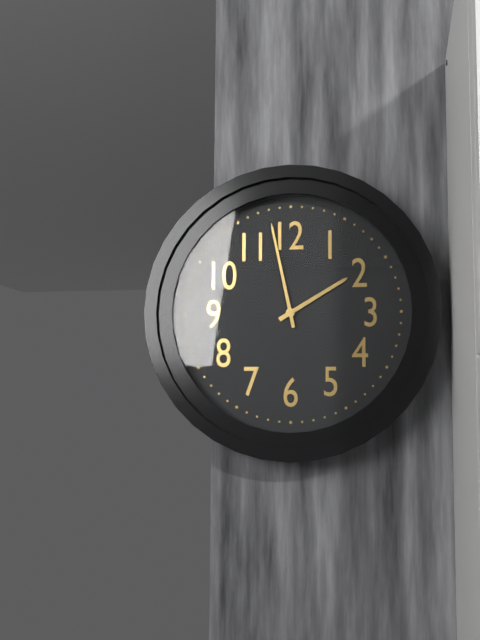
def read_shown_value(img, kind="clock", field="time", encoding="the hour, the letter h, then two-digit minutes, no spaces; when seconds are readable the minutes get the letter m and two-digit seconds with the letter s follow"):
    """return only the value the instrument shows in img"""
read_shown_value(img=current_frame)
1h58
